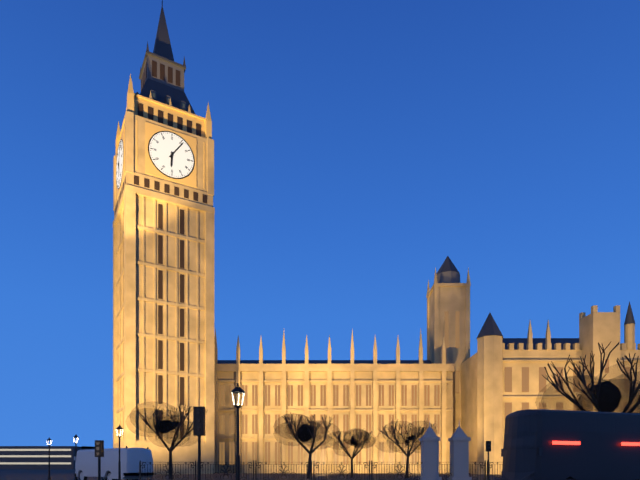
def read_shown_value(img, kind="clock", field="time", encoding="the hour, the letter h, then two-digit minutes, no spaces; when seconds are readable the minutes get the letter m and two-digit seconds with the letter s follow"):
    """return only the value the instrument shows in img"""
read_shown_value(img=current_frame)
6h06
